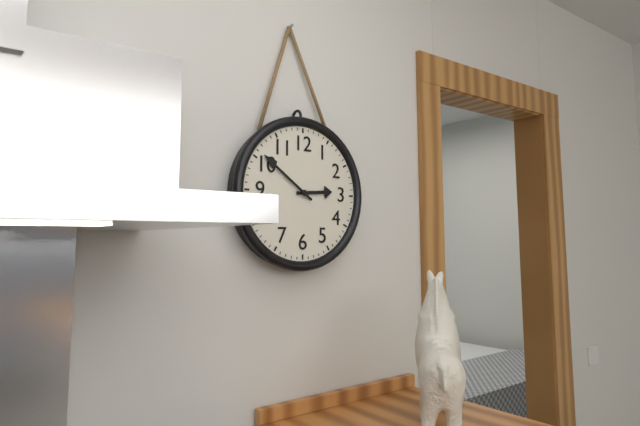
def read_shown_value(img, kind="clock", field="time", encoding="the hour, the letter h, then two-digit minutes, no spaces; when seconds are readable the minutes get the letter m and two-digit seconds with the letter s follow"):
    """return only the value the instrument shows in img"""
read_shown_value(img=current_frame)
2h51
